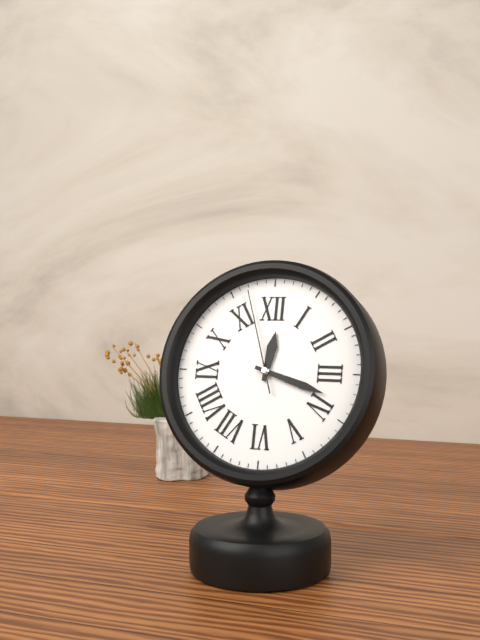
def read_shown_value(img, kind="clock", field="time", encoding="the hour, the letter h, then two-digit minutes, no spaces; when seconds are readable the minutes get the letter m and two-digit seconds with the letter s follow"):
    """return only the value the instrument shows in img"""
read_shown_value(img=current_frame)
12h18m57s
